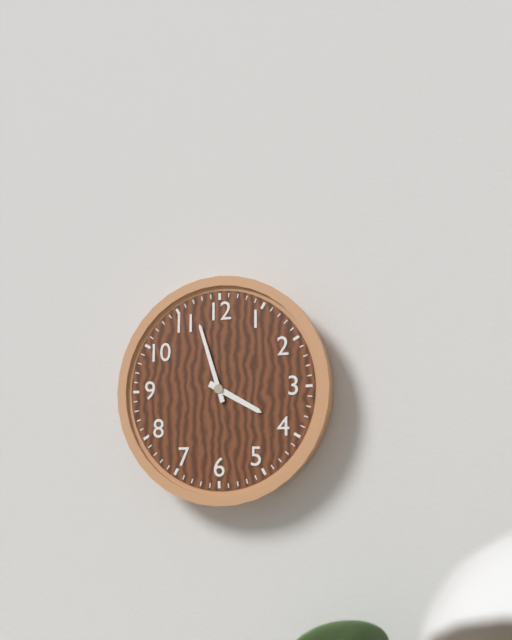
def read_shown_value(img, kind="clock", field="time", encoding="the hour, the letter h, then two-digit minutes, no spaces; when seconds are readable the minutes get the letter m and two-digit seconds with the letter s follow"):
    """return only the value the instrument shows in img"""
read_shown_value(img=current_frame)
3h57
